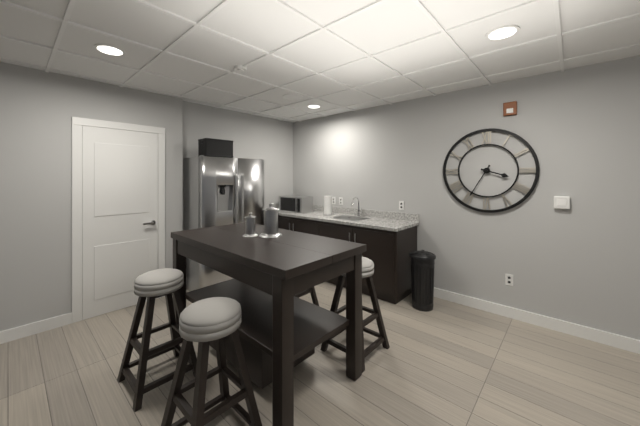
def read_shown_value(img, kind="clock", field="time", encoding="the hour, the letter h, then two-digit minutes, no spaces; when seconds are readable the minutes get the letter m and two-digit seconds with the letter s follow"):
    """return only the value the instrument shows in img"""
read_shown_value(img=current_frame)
3h35
